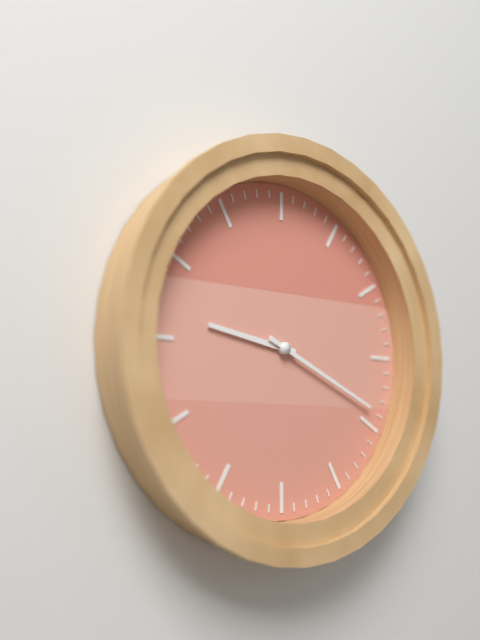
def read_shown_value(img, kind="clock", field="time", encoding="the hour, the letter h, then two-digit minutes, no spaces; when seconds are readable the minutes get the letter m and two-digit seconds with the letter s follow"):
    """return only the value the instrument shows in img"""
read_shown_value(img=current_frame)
9h19
